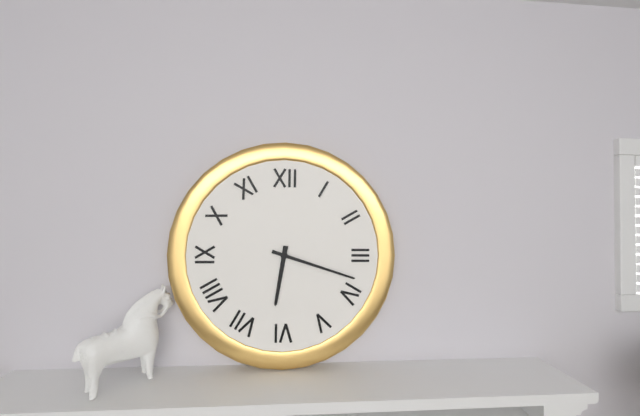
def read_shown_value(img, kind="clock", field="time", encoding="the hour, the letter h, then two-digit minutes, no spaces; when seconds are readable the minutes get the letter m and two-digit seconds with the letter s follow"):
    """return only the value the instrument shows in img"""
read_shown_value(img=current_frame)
6h18
